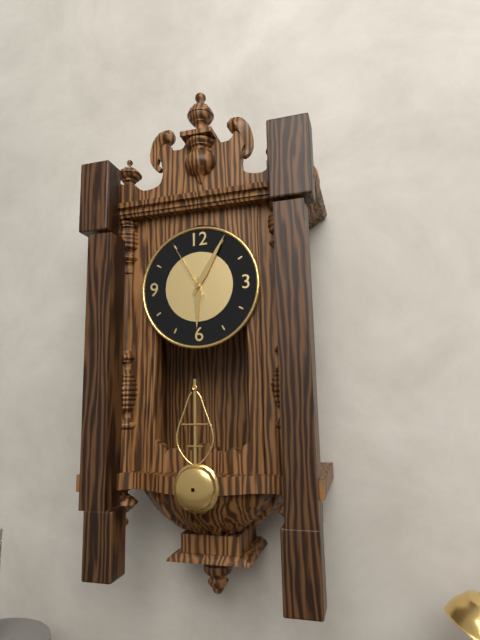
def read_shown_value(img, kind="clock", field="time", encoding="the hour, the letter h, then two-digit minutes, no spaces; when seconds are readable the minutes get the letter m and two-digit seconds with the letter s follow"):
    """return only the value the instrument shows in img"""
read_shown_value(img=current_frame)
6h05m55s
